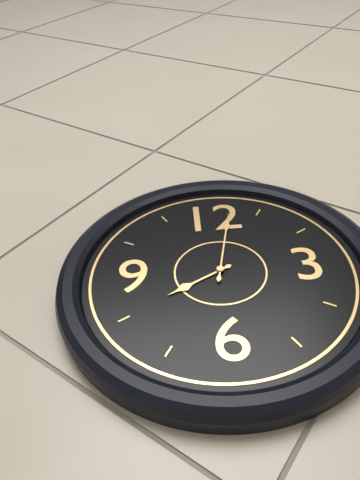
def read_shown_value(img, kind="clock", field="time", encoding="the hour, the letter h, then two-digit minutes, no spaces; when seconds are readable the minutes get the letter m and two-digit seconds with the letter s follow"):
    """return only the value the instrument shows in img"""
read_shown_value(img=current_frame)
8h02
